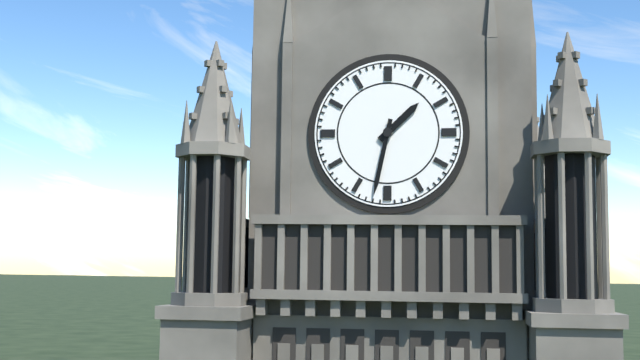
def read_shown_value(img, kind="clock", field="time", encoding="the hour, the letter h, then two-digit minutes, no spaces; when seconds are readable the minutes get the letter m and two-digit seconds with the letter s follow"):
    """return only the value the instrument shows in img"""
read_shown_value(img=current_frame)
1h32
